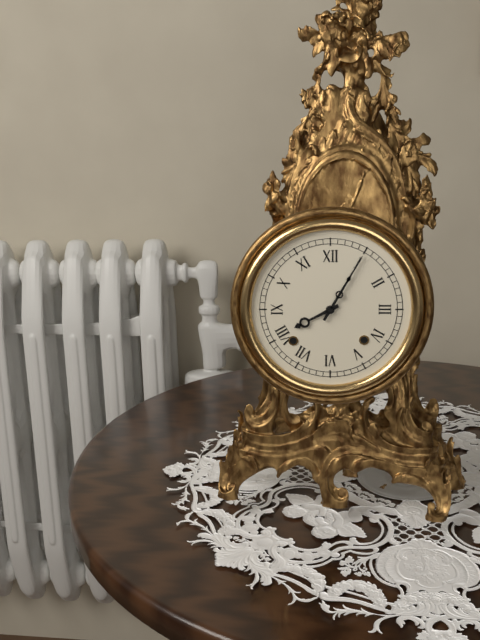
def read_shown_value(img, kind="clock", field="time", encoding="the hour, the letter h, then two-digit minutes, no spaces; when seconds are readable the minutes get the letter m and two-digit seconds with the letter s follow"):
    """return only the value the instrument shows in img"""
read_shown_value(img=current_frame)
8h05
